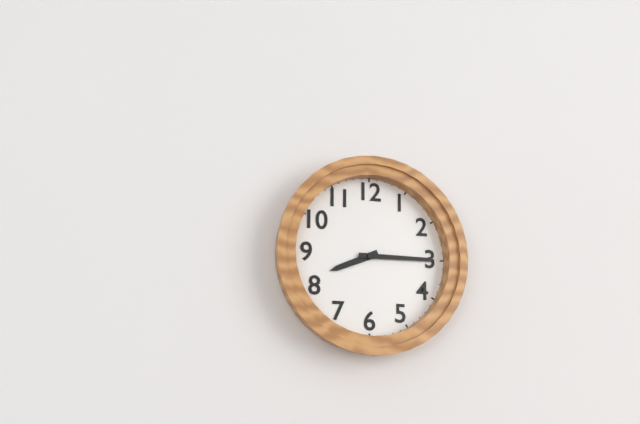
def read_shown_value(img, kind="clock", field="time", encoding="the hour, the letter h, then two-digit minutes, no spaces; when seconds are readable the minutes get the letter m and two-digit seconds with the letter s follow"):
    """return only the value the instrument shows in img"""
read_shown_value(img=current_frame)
8h15
